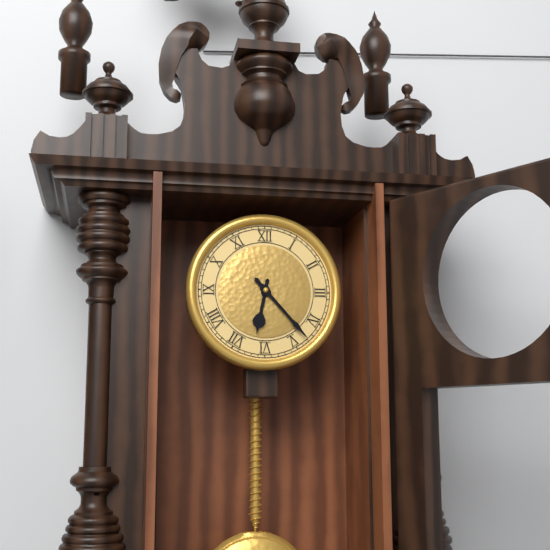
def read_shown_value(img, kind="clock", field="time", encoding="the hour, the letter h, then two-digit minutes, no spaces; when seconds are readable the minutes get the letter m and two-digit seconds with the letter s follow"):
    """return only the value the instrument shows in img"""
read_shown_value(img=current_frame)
6h23
